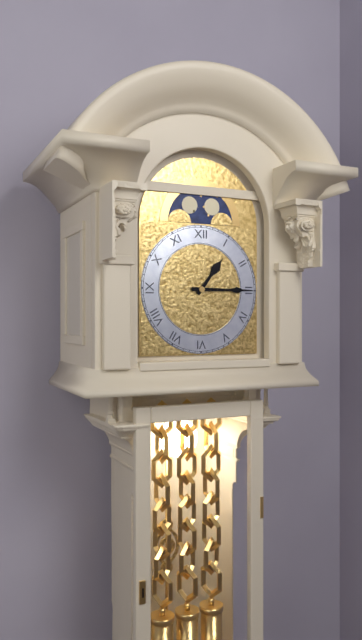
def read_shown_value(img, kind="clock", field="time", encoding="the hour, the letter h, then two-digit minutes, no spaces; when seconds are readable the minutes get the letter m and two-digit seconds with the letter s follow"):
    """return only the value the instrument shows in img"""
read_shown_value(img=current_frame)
1h15
